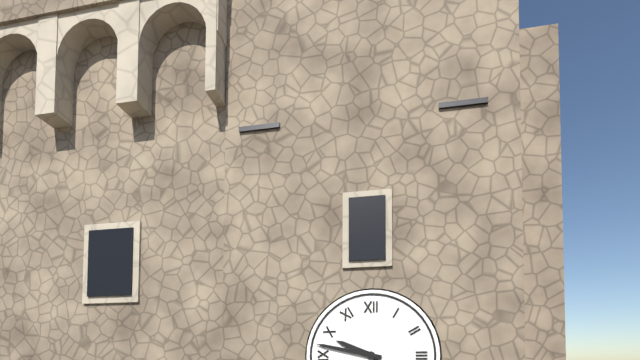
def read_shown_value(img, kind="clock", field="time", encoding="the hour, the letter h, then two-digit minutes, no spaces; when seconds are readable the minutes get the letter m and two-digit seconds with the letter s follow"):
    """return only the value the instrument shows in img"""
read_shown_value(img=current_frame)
9h47
